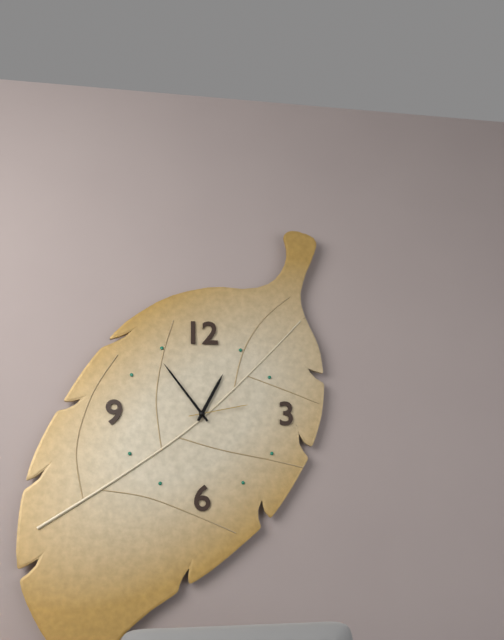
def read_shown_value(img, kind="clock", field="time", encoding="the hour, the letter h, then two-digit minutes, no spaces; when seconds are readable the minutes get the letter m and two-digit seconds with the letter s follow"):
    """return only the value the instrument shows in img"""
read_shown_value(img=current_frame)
12h54m13s
